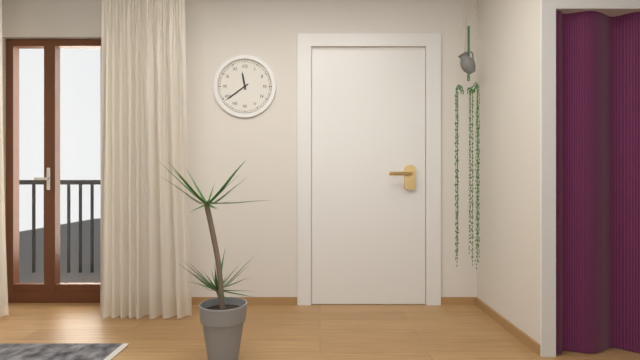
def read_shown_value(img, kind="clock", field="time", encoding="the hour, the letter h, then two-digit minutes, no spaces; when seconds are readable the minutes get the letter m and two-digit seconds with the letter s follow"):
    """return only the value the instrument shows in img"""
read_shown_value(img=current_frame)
11h39
